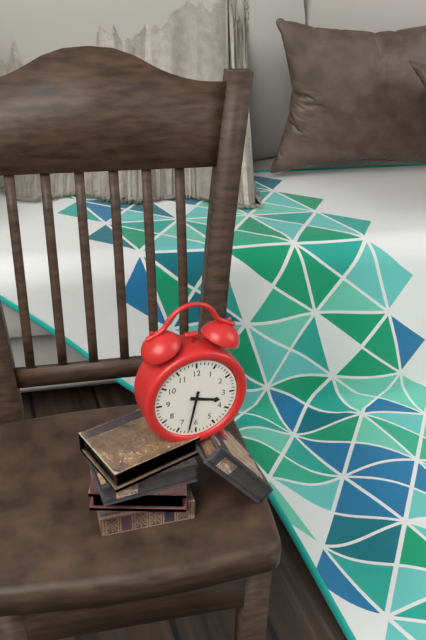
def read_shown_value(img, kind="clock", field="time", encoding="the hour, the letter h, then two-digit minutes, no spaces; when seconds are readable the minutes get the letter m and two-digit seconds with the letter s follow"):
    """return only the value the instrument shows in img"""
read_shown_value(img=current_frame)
3h32
